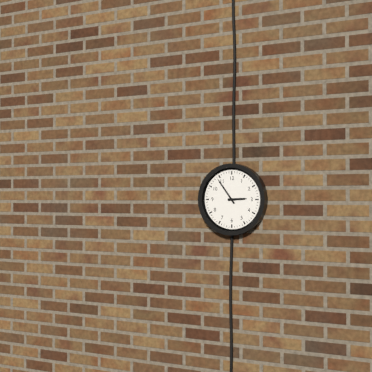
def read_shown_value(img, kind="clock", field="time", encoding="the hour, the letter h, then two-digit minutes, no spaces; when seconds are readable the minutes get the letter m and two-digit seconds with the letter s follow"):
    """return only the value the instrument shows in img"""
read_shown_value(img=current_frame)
2h54
